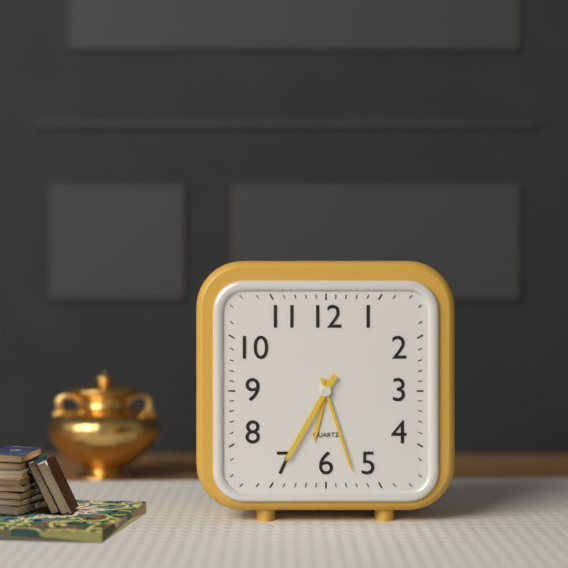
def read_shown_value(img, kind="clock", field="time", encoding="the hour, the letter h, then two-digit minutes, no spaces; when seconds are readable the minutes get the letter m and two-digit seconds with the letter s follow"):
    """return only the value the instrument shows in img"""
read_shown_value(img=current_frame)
6h27m35s
